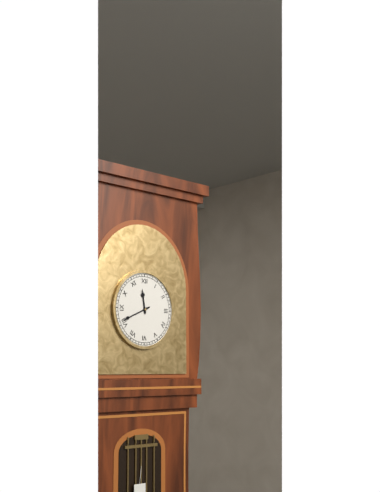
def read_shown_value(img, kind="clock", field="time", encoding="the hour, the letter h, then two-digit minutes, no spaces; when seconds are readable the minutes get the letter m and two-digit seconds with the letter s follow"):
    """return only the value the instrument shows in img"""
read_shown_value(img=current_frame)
11h41
